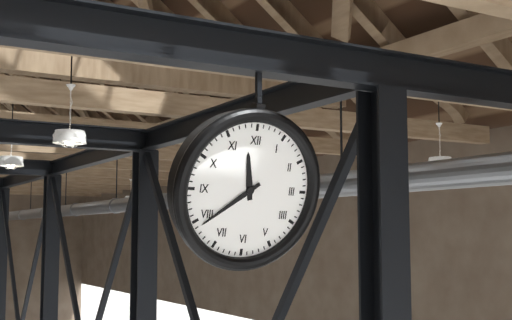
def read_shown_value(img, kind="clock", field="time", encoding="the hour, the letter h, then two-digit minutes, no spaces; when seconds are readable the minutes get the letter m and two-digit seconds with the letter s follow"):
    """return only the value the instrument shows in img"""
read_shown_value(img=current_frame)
11h39
